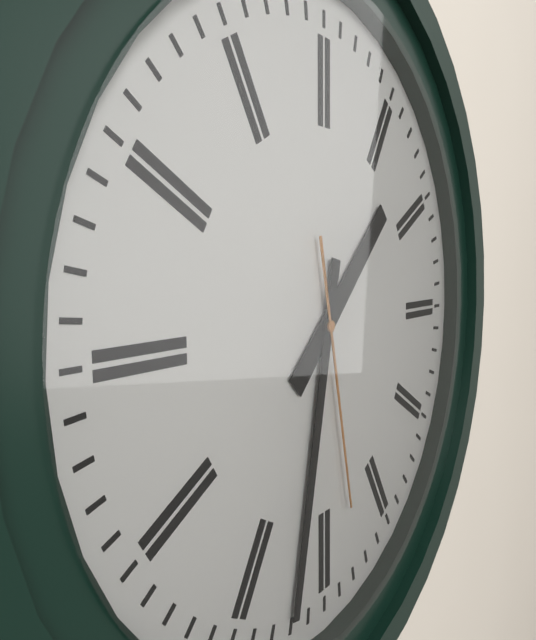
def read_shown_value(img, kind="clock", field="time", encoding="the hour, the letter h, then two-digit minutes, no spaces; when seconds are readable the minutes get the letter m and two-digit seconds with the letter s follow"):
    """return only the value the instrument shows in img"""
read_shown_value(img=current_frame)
1h32m28s
